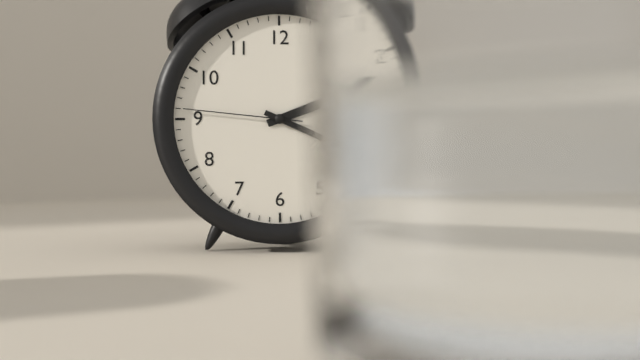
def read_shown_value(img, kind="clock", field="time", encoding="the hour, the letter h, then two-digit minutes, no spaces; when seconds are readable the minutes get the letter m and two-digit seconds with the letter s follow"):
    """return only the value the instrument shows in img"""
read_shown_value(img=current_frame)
2h19m46s
